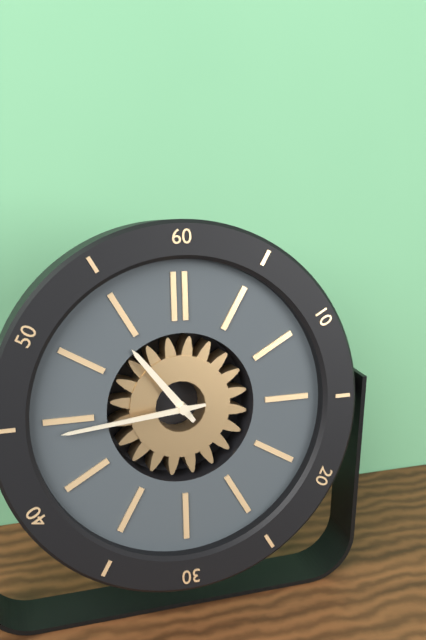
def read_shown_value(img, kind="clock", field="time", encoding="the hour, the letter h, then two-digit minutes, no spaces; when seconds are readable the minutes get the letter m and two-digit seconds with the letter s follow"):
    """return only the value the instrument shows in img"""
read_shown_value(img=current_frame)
10h44
